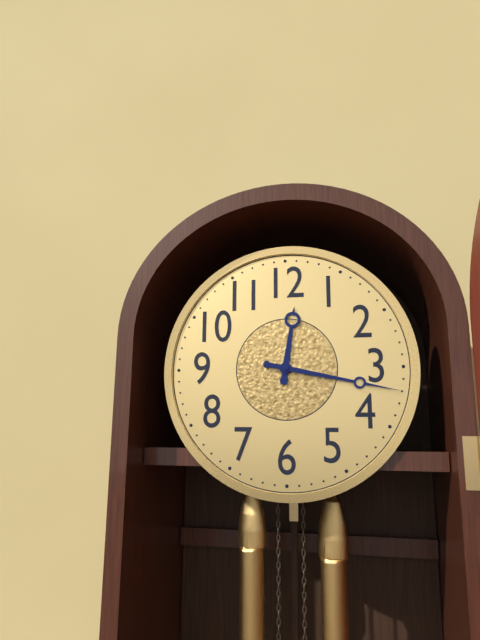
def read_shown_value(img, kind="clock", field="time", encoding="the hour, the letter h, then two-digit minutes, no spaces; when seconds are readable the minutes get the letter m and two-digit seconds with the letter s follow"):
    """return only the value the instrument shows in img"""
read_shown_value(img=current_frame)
12h17
